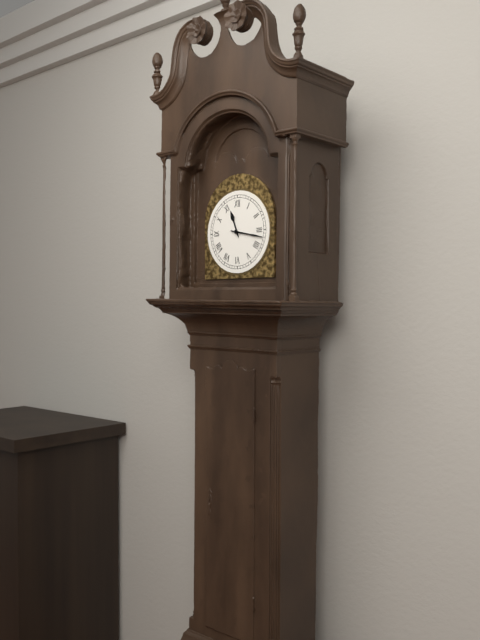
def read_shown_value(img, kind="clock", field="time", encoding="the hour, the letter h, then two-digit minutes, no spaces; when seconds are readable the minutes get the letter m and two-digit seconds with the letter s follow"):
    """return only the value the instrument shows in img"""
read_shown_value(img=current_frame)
11h17
